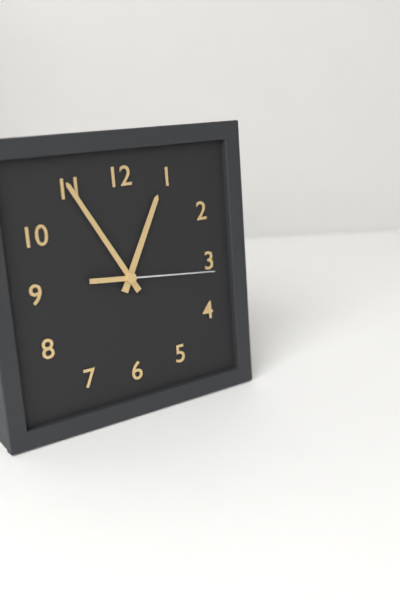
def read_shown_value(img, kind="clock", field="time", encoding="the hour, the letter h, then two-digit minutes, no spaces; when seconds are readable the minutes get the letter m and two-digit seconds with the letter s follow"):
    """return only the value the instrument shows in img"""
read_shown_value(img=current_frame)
12h55m16s
